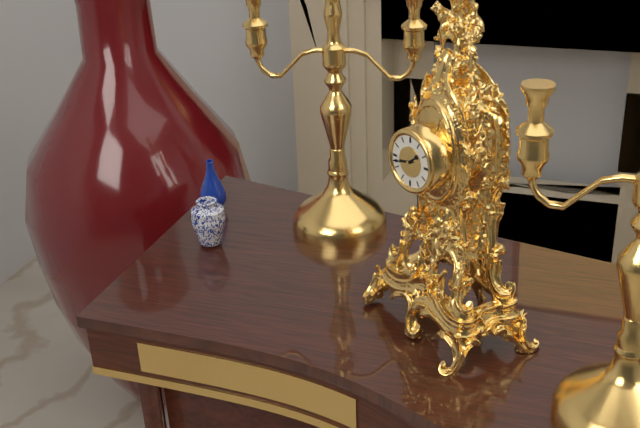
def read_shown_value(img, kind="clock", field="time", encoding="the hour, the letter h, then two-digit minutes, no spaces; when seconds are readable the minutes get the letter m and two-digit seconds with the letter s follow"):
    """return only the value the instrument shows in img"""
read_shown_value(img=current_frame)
1h43
